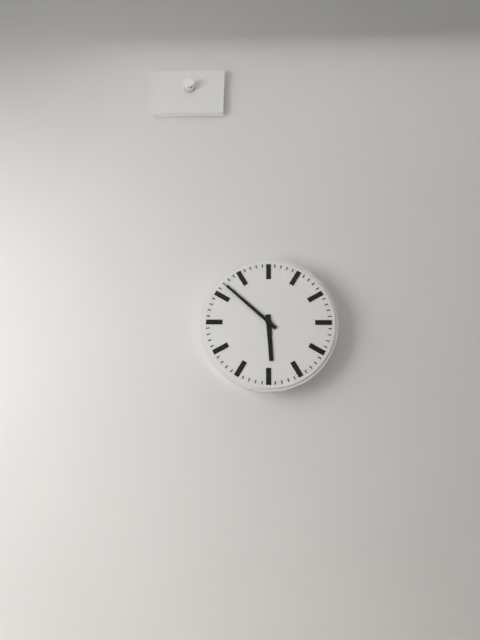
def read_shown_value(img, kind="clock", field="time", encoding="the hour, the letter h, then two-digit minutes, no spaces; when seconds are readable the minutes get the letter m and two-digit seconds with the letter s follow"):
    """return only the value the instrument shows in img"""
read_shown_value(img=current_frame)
5h52
